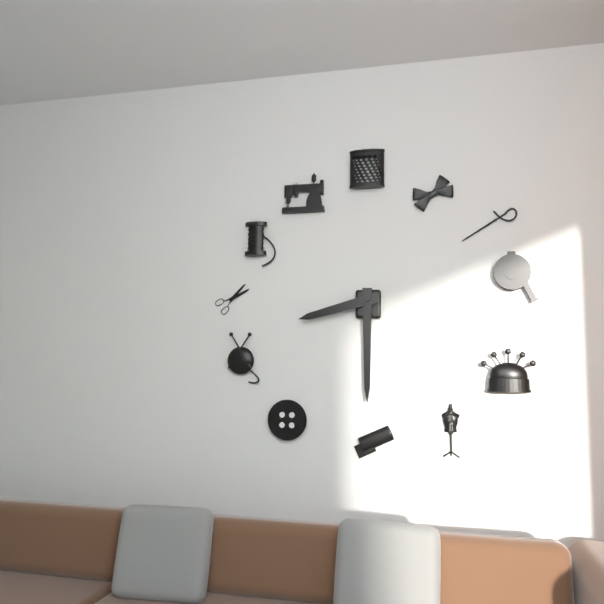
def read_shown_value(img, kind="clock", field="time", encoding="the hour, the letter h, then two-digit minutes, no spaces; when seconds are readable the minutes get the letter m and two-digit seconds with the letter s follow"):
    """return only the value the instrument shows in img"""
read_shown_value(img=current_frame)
8h30
